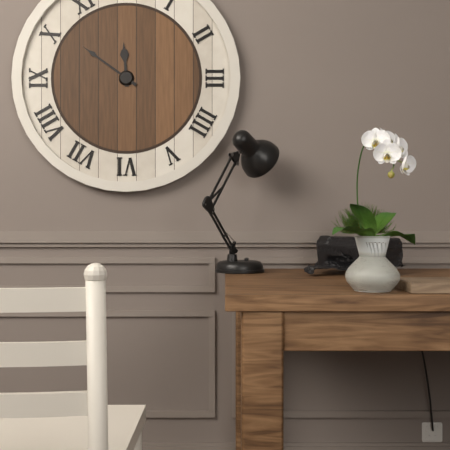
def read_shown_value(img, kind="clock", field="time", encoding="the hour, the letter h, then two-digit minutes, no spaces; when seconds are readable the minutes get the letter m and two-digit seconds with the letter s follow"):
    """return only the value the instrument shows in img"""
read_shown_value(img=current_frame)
11h51
